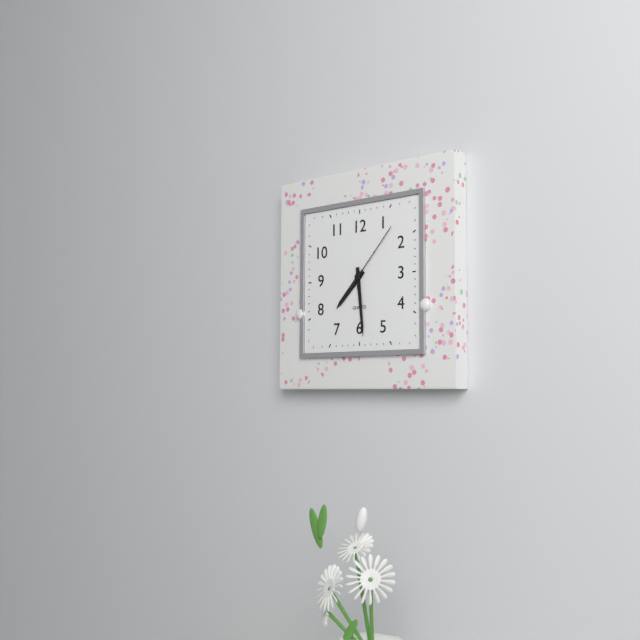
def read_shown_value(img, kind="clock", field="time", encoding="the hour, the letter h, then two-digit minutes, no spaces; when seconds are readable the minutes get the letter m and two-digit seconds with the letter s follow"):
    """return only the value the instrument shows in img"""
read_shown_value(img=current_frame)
7h29m07s
